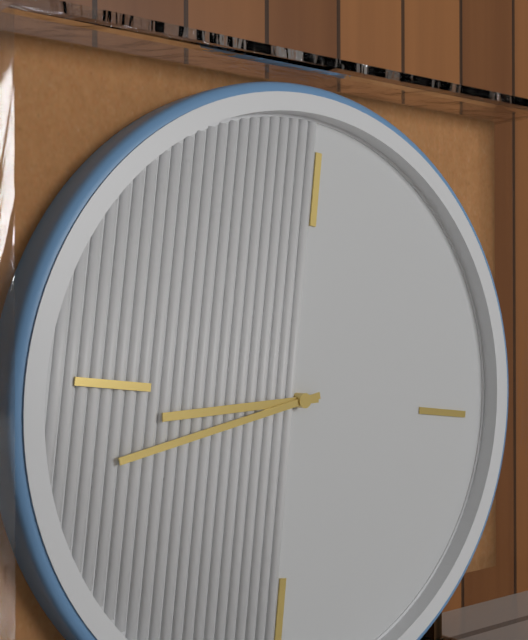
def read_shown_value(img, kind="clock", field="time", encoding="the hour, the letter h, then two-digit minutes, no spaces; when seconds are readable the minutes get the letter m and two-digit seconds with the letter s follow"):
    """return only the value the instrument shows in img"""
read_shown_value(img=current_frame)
8h42
